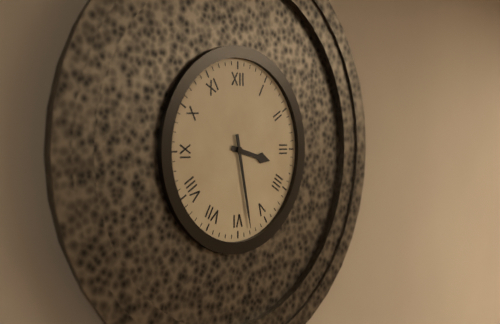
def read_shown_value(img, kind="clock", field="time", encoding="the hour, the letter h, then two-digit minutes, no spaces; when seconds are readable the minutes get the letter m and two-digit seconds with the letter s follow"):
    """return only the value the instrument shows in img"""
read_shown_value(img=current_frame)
3h28
